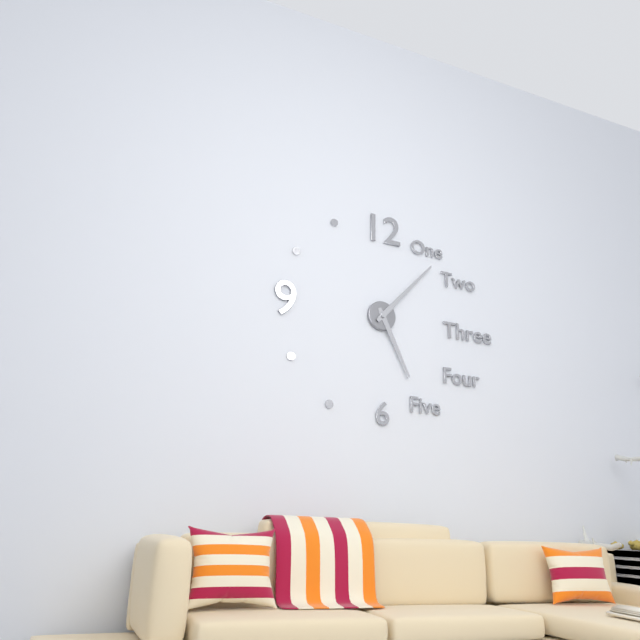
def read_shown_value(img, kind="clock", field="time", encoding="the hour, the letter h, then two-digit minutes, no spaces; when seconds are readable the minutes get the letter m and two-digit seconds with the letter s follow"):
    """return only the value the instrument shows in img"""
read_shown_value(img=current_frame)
5h07
